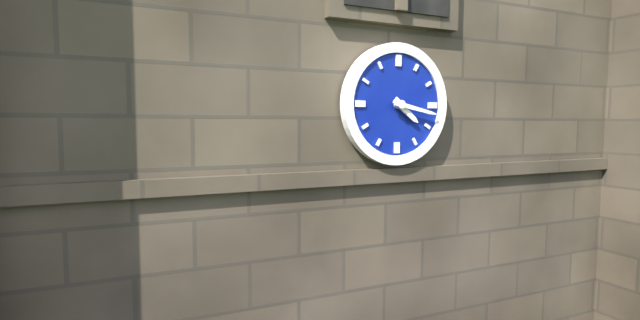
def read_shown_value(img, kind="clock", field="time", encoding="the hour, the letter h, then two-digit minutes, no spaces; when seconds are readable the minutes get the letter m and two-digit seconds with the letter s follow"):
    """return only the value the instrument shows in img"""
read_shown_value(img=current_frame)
4h17
